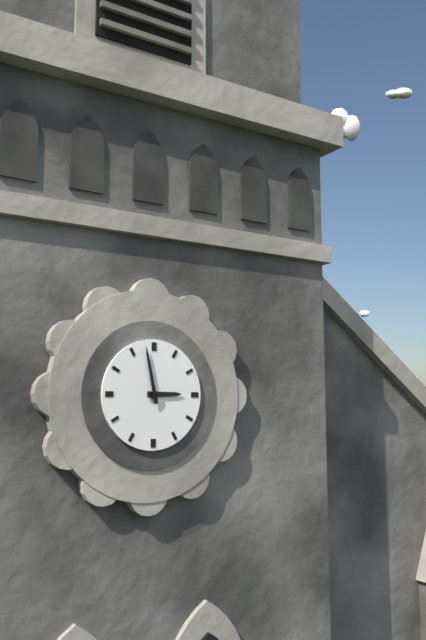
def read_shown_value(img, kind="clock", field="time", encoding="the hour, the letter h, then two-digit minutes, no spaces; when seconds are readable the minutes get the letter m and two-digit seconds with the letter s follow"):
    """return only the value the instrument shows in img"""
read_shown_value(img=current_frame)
2h58
